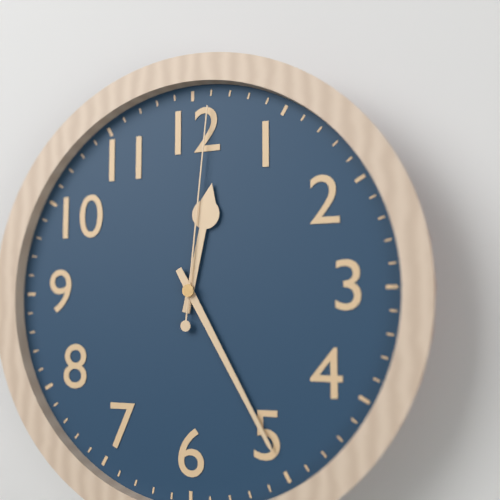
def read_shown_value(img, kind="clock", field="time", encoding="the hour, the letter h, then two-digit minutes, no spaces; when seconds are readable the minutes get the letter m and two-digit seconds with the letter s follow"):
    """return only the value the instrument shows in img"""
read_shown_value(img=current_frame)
12h25m01s
